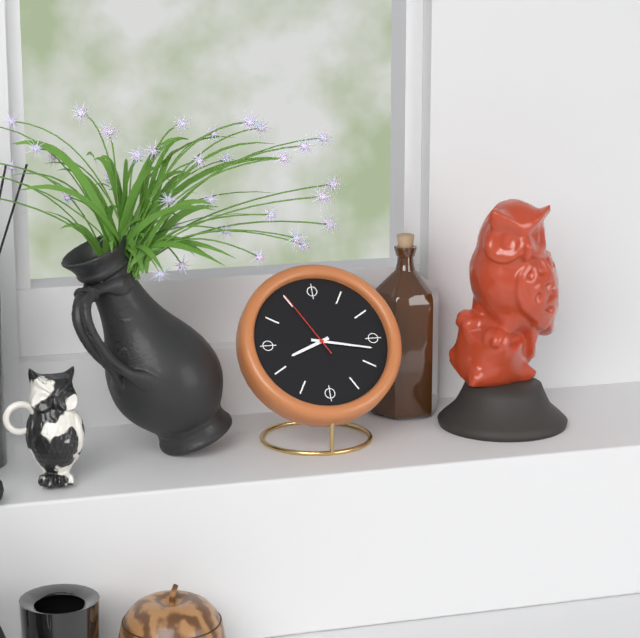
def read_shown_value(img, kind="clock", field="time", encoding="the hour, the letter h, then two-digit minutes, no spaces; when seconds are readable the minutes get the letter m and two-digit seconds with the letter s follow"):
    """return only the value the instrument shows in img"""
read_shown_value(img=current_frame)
8h17m55s
